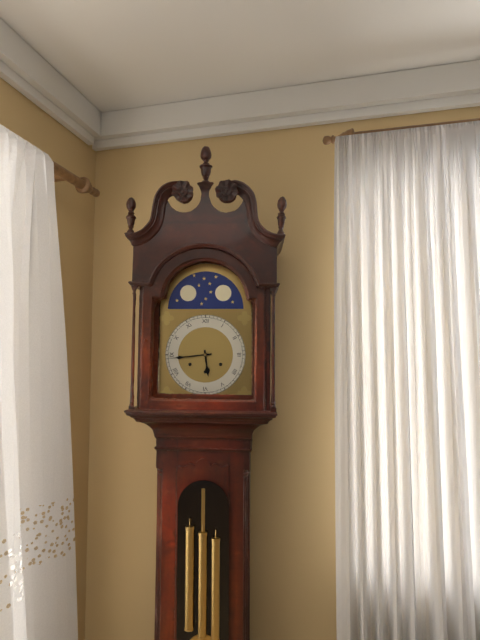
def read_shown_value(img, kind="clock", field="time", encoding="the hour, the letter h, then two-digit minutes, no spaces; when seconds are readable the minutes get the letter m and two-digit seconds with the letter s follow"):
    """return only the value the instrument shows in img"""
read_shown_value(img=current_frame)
5h44
